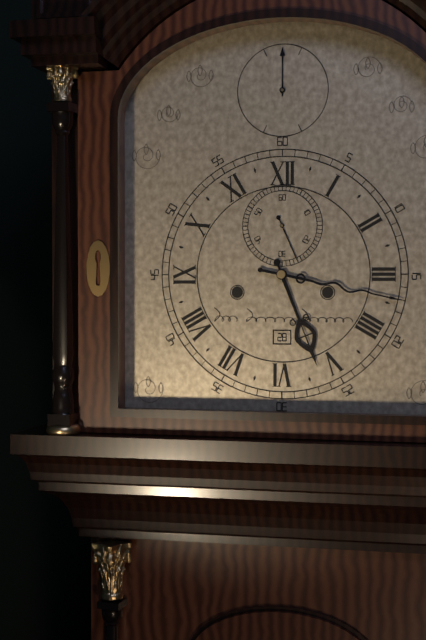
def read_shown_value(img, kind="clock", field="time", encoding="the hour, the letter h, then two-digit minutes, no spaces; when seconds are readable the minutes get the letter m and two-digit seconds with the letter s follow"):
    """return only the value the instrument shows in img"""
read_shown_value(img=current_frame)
5h17
